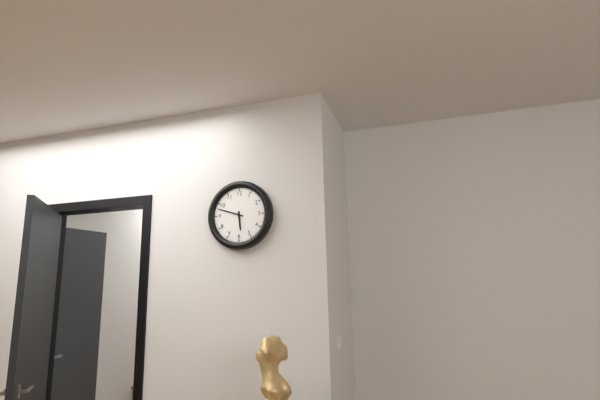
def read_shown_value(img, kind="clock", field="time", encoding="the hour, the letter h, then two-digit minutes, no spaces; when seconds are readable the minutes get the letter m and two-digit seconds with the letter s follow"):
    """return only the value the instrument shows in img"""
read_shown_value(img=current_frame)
5h48
